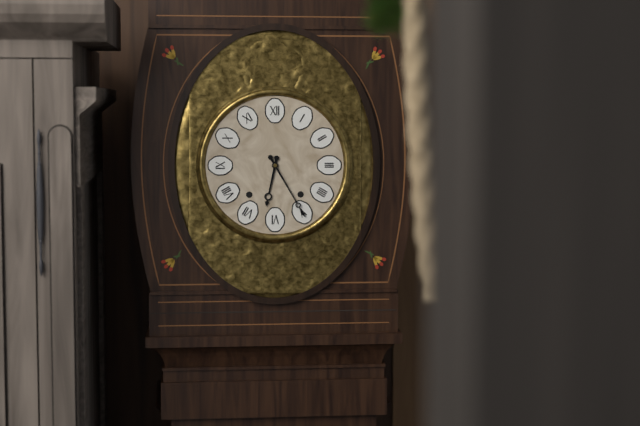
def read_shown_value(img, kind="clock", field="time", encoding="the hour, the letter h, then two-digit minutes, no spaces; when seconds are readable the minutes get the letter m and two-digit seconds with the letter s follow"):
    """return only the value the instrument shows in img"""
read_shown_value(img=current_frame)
6h25
